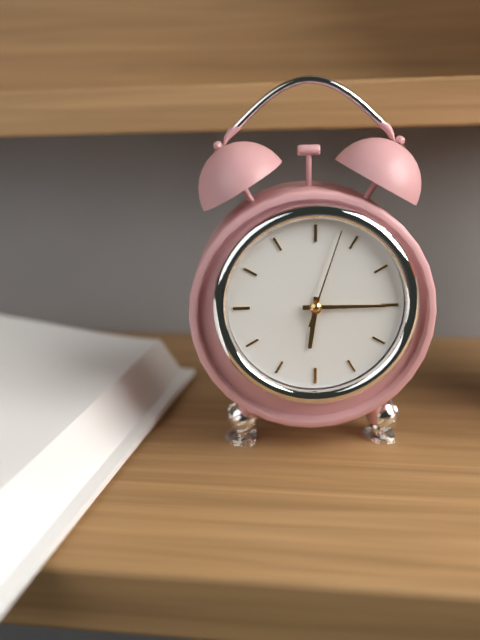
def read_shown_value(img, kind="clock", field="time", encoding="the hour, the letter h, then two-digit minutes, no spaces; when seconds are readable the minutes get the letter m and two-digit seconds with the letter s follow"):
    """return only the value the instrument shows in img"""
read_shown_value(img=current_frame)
6h15m03s
